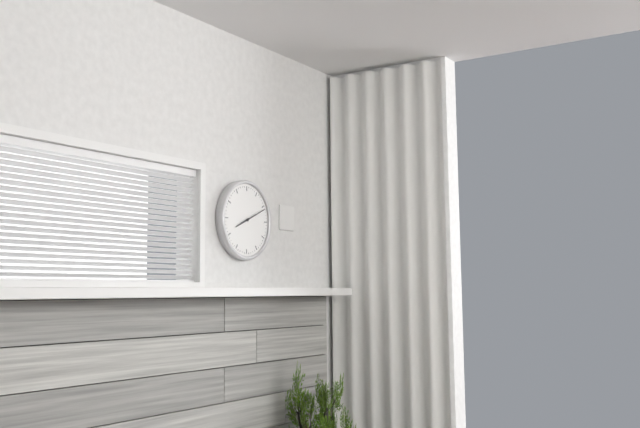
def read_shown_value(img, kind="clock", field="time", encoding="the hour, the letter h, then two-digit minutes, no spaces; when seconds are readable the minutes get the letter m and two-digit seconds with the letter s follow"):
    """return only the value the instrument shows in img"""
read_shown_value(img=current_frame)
8h11
